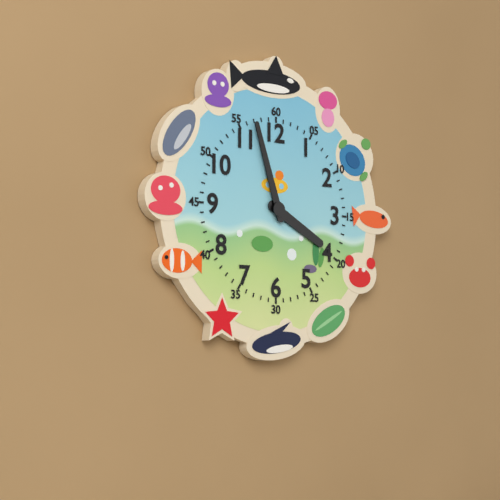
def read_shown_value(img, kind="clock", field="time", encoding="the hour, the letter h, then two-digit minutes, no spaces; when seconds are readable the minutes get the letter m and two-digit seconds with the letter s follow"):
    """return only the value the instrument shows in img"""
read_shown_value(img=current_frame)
3h57
